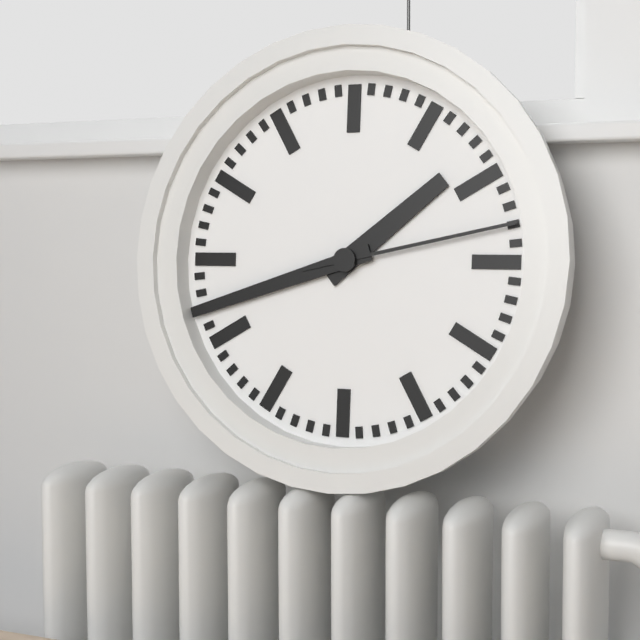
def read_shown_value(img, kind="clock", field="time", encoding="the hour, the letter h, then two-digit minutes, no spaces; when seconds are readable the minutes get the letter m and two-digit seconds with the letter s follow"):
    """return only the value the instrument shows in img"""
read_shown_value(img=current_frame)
1h42m13s
